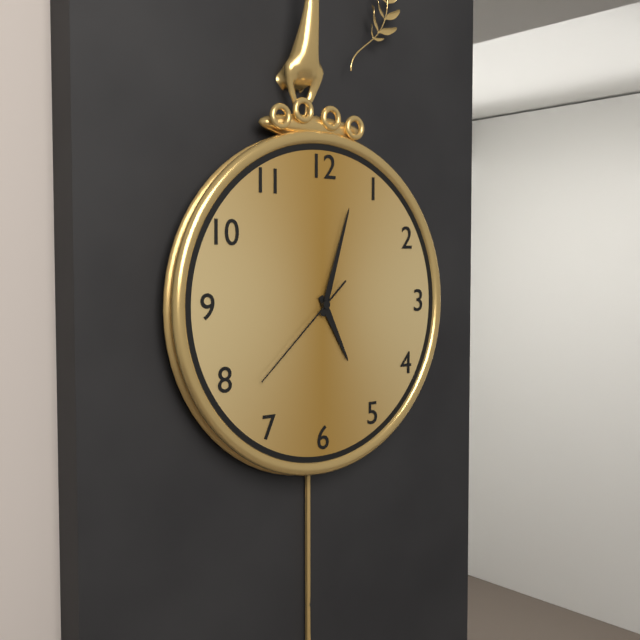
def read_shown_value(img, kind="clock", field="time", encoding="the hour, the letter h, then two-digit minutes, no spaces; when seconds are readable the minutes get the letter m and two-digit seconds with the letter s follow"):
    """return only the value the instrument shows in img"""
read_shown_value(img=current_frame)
5h03m38s
